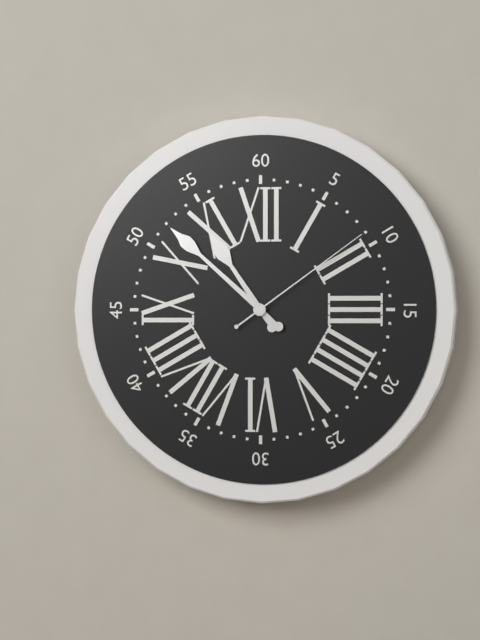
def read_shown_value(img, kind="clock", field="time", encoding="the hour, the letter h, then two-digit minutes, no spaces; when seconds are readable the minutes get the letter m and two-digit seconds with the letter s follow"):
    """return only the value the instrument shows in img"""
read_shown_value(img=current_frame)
10h52m09s
